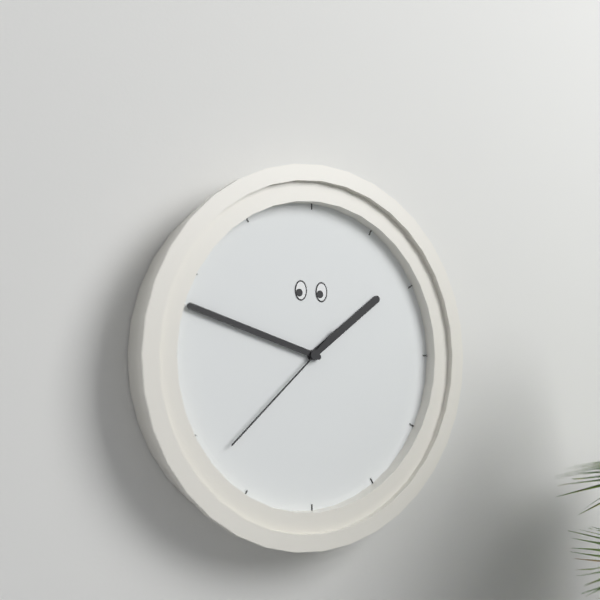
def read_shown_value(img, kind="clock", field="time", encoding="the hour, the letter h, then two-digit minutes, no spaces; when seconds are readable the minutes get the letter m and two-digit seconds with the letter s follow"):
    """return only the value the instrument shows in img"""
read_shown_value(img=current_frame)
1h48m38s
